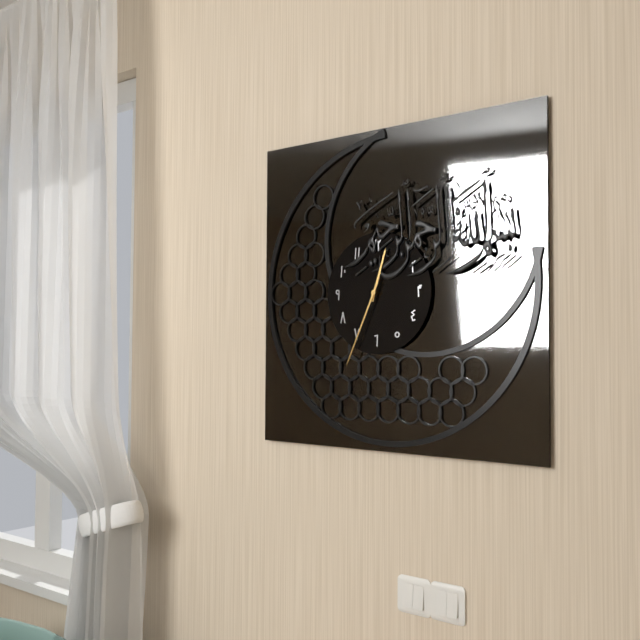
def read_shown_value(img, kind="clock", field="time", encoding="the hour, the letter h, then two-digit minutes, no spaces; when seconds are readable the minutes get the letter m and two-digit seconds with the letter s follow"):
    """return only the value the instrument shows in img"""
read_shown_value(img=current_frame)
12h34
